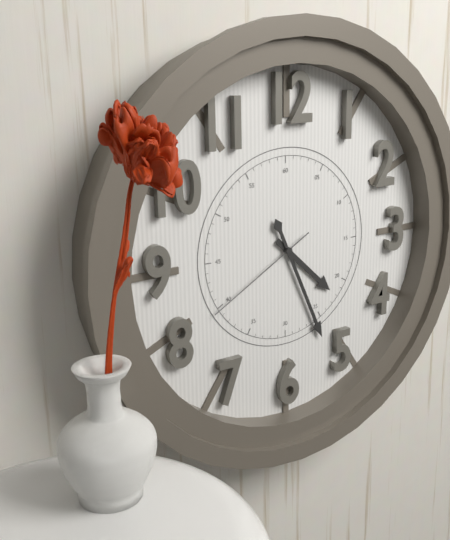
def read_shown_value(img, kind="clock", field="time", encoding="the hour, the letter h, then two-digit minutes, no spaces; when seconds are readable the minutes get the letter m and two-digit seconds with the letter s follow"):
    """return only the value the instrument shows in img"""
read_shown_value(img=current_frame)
4h26m40s
